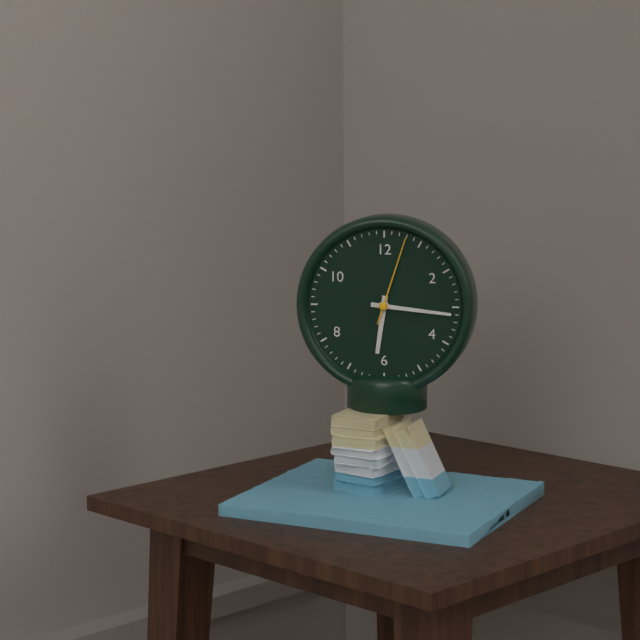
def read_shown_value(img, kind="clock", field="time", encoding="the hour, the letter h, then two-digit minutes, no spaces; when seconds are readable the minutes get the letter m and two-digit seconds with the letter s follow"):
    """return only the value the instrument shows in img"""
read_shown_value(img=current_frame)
6h16m03s
